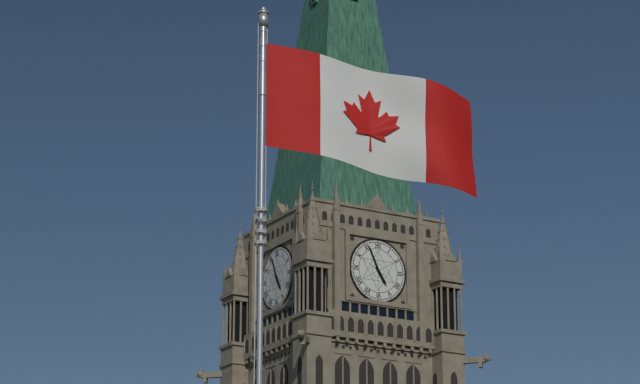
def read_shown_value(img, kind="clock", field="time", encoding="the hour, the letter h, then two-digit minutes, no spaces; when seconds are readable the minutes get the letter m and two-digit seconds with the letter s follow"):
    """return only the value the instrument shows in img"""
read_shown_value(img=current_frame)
4h56
